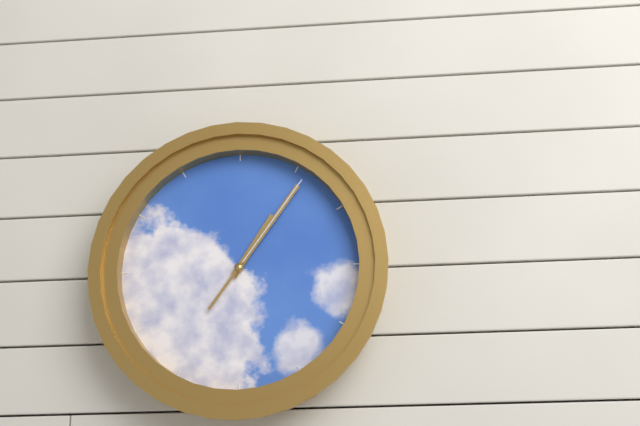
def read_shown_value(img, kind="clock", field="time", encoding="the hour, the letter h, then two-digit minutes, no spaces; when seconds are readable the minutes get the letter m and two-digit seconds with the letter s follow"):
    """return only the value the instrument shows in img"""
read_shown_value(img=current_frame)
1h06m06s
